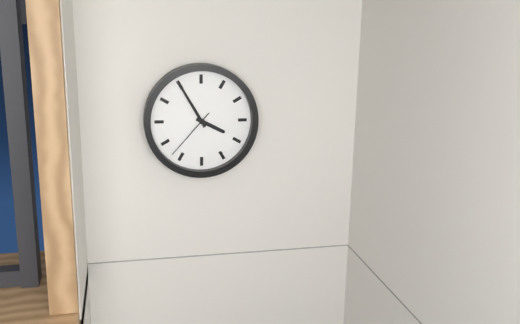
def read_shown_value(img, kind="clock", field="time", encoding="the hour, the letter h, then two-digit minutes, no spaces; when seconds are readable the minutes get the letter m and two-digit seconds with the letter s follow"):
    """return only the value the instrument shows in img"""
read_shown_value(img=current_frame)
3h55m37s
